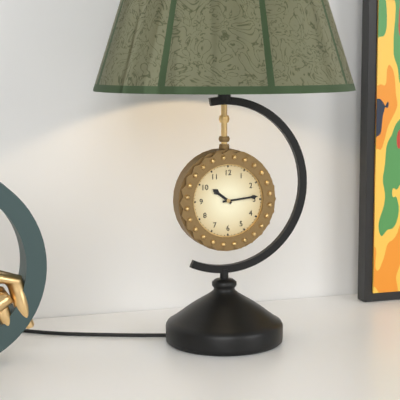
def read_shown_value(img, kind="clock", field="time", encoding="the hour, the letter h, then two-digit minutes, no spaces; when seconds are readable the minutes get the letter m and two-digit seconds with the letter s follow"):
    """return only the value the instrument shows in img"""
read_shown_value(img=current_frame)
10h14
